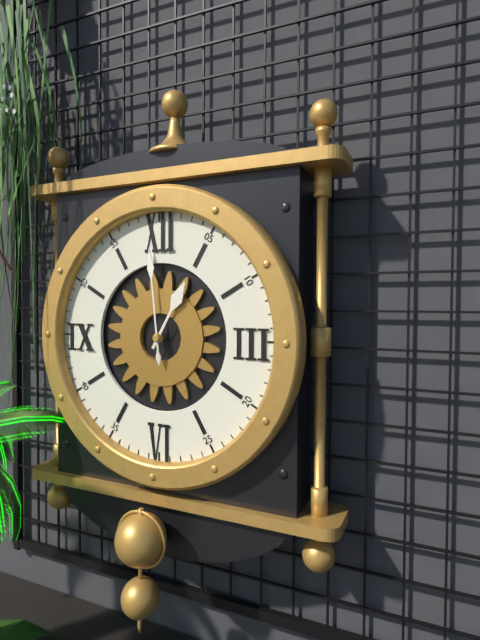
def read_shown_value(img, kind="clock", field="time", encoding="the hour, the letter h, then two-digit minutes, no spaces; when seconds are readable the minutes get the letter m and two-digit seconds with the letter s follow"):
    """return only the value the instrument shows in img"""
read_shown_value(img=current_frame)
12h59
